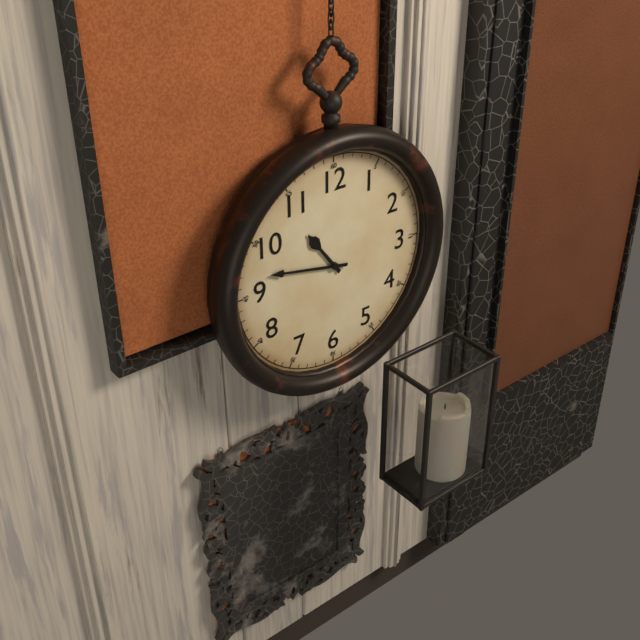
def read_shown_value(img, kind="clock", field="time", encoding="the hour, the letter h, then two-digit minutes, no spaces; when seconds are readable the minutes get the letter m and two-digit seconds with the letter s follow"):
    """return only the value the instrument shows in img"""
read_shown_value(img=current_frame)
10h47
